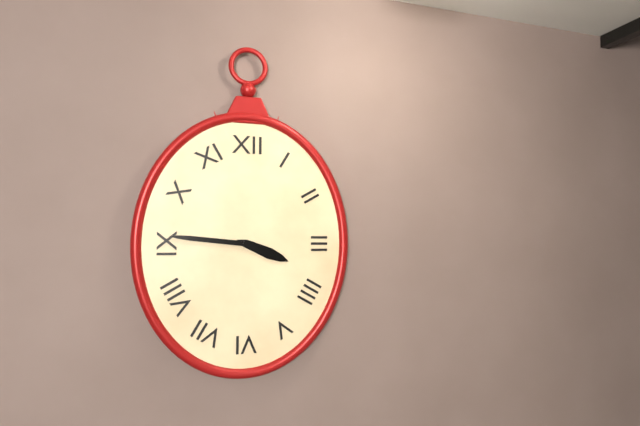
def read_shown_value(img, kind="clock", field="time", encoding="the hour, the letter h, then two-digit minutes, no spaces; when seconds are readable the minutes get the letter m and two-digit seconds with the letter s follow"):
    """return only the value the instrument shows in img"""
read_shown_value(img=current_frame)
3h46
